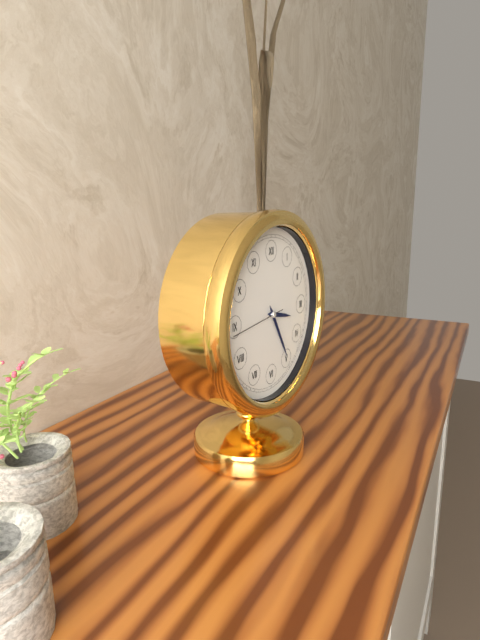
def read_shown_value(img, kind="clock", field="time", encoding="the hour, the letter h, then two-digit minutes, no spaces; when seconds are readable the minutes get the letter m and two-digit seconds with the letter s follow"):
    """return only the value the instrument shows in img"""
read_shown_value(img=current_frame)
3h25m44s
